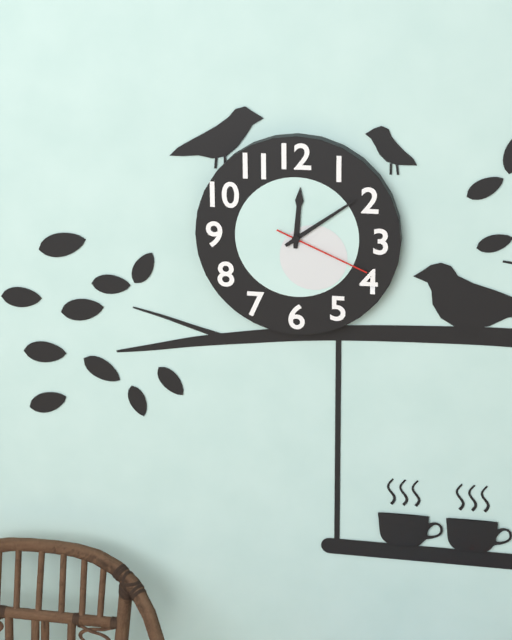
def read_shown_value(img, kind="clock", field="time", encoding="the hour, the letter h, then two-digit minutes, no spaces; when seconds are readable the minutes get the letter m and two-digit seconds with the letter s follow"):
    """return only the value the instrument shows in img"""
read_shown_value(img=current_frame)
12h09m19s
